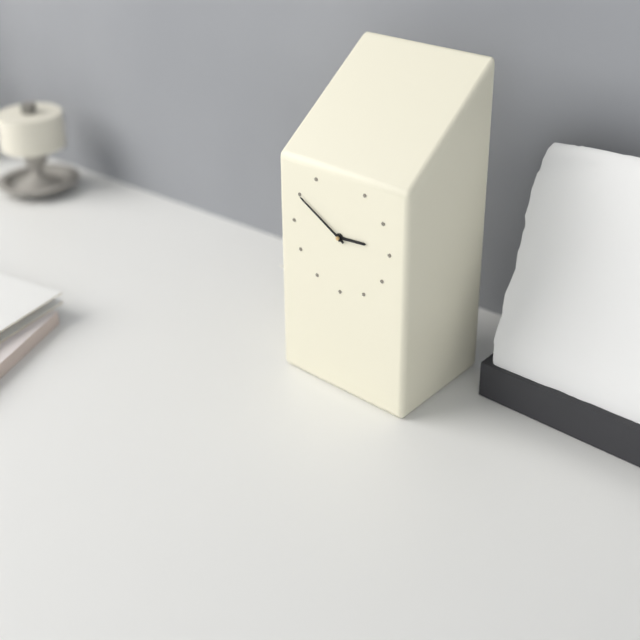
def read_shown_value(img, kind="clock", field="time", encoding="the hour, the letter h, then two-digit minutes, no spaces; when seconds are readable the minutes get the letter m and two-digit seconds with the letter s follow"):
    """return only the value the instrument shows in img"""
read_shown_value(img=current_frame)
2h50
